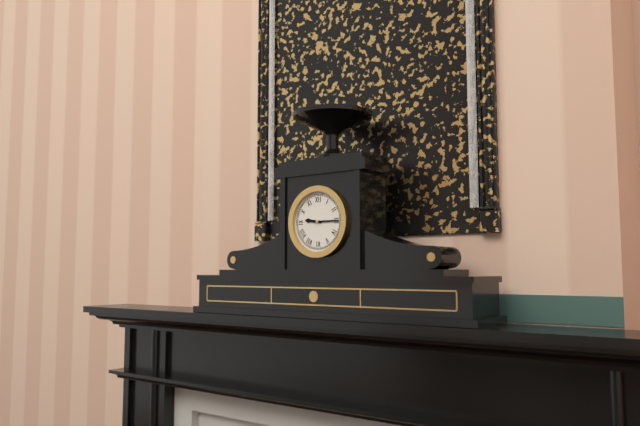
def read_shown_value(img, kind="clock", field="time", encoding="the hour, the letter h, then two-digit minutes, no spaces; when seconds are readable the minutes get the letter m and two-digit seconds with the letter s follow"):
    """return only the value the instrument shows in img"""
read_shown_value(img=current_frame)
9h15
